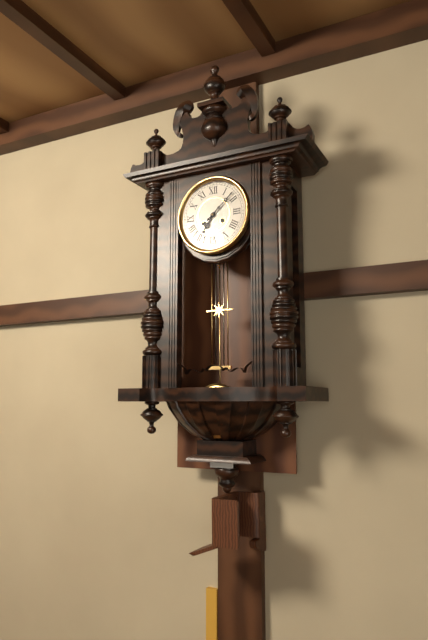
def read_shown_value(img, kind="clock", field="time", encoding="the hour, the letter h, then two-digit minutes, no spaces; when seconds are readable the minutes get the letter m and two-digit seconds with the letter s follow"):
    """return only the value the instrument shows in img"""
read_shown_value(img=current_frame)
7h08
